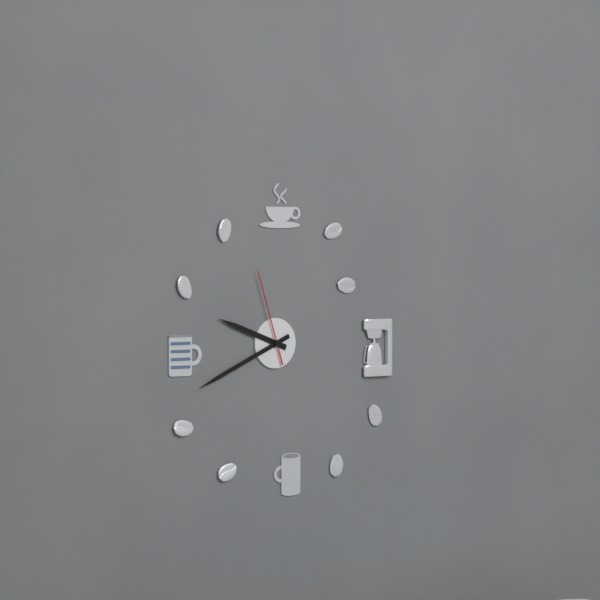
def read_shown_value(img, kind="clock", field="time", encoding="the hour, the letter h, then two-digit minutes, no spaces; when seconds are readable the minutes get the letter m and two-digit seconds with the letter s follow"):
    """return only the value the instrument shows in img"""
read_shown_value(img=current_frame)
9h41m57s
